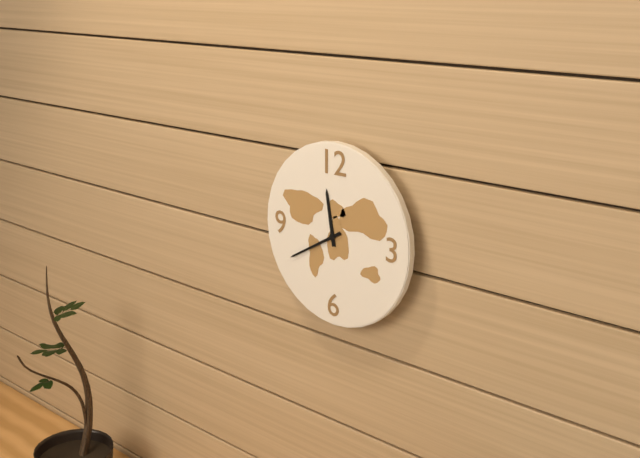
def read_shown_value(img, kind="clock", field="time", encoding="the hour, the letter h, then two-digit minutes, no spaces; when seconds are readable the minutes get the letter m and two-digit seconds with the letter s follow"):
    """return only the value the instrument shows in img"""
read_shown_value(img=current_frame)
11h40
